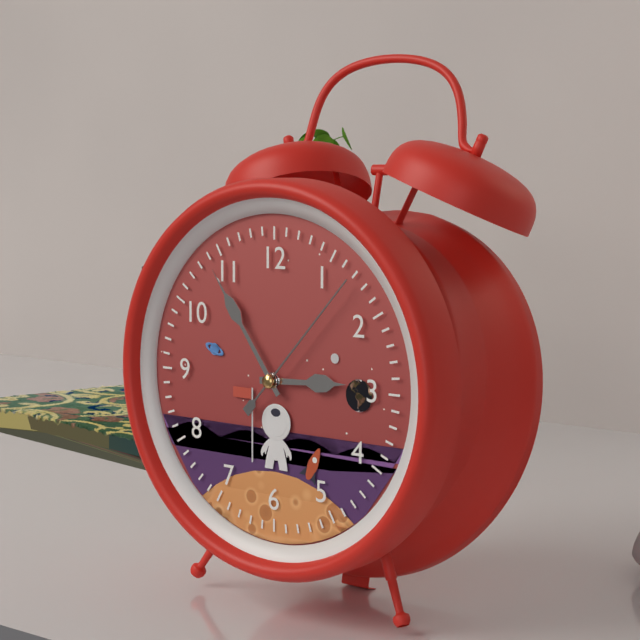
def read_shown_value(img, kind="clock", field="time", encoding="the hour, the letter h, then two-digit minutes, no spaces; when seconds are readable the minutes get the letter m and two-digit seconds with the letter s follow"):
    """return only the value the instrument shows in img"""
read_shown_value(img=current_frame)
2h54m07s
